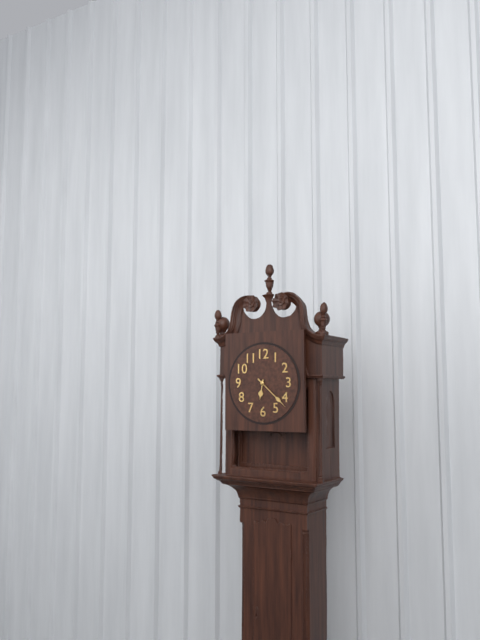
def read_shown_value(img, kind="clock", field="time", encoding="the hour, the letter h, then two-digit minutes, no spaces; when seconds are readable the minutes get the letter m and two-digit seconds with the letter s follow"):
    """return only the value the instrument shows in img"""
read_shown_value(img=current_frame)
6h22
